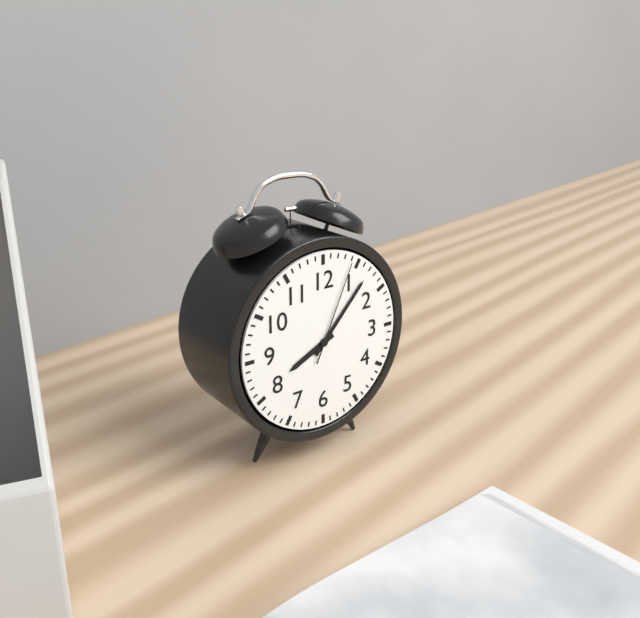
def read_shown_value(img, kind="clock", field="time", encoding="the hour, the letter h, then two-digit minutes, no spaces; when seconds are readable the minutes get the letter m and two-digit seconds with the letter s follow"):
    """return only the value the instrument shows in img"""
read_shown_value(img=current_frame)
8h07m04s
